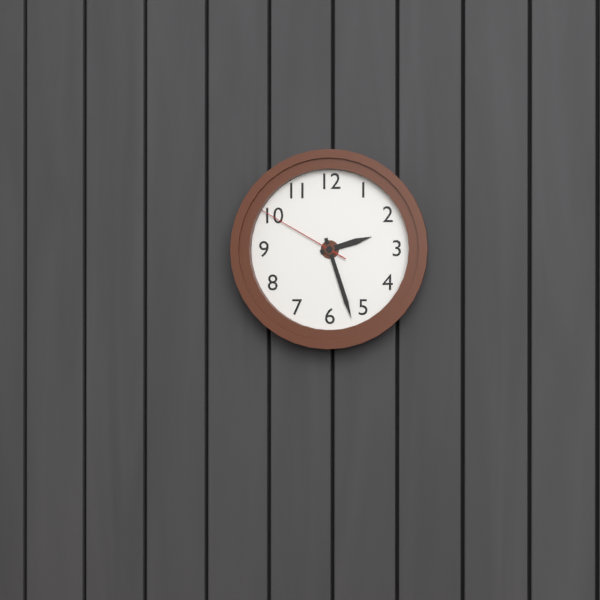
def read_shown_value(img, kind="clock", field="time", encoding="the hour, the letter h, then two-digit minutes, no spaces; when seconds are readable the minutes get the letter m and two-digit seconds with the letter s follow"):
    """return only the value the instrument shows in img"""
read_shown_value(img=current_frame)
2h27m50s
